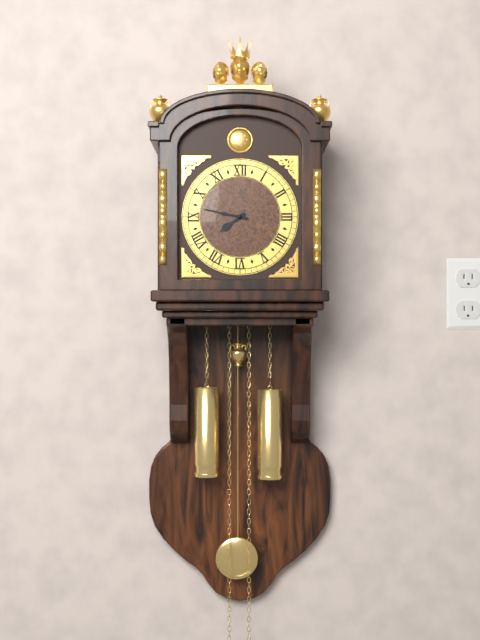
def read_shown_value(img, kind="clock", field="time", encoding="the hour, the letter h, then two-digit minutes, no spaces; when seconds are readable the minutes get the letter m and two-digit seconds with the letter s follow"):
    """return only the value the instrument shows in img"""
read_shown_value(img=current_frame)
7h47
